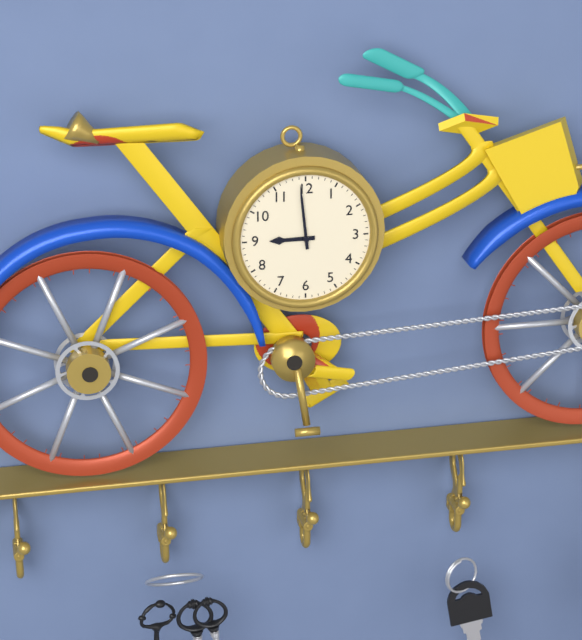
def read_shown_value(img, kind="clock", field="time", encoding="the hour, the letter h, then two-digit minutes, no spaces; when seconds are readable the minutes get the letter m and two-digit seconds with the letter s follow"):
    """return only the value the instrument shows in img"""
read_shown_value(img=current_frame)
8h59
